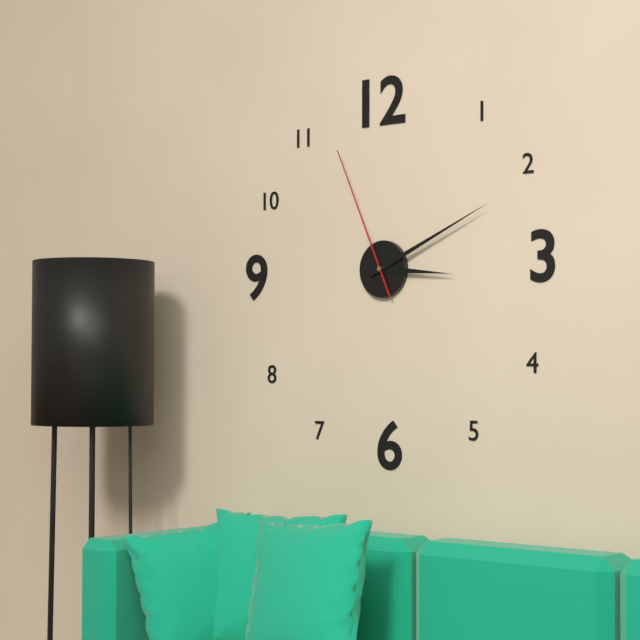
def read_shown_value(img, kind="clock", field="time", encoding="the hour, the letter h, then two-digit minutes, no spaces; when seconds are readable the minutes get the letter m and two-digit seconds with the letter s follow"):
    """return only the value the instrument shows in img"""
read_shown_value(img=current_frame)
3h11m56s
